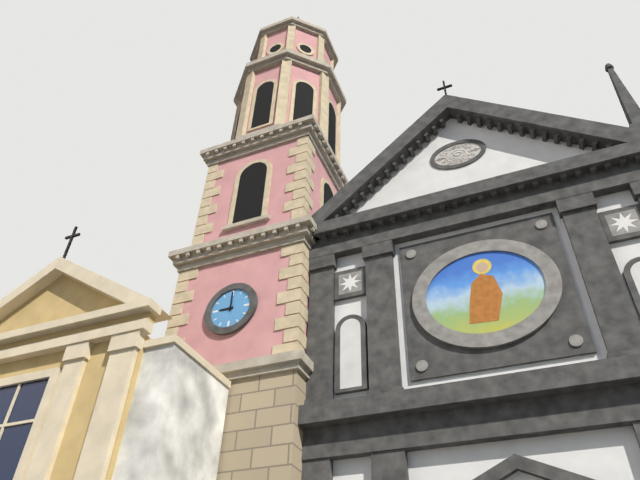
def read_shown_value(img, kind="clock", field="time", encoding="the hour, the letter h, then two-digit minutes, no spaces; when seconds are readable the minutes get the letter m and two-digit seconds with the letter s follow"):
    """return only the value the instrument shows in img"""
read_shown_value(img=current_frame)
9h00
